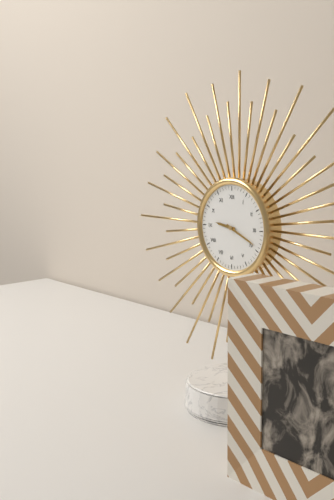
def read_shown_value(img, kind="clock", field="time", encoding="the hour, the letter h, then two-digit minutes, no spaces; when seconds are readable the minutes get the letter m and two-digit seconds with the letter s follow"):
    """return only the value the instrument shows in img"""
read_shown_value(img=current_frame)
9h19
